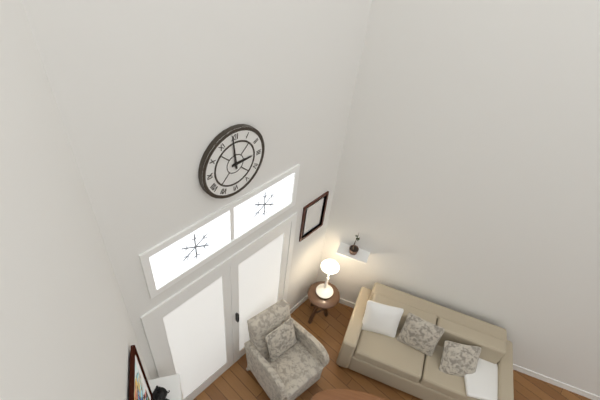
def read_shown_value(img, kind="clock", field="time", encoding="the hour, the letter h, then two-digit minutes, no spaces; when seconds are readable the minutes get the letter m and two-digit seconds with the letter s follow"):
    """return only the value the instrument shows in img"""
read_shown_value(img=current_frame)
2h59
